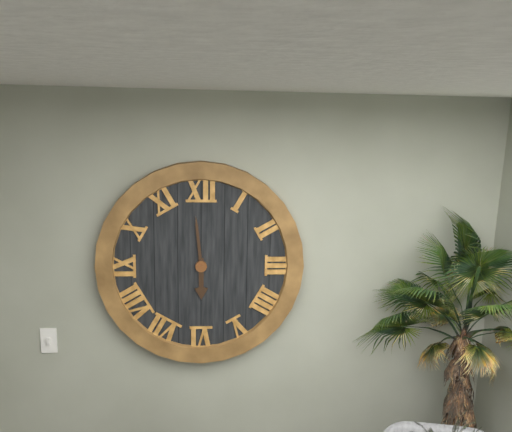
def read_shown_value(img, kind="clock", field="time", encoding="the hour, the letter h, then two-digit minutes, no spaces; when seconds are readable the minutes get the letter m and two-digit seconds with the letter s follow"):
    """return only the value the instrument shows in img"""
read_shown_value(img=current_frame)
5h59
